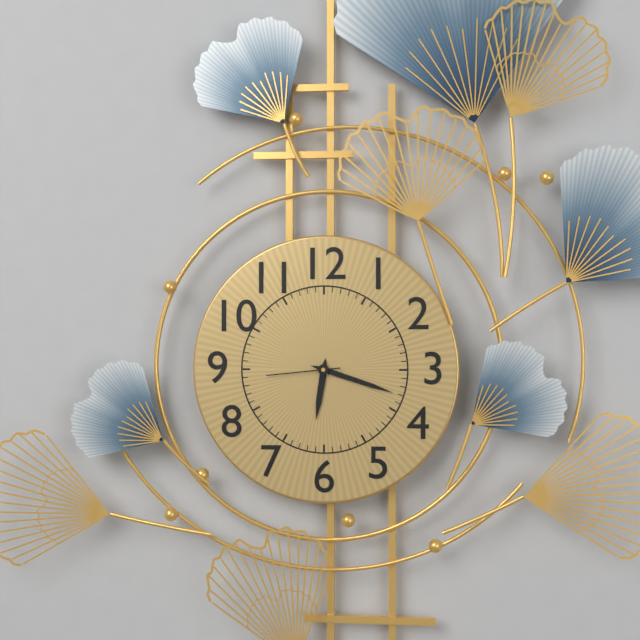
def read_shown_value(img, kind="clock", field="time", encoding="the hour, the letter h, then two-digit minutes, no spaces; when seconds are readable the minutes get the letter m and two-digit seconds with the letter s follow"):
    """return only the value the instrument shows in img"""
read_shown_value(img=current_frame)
6h18m44s
